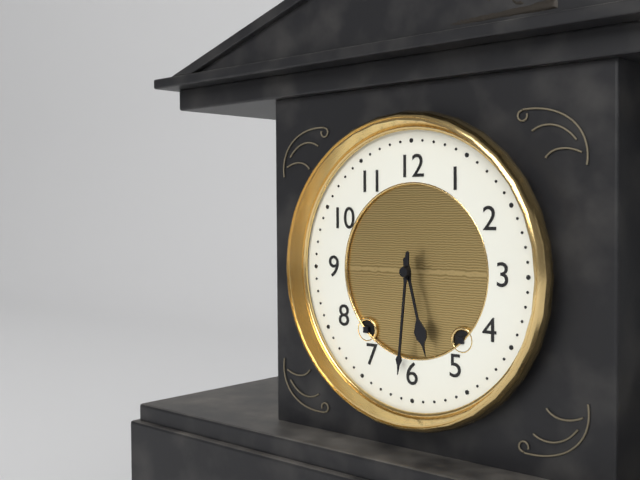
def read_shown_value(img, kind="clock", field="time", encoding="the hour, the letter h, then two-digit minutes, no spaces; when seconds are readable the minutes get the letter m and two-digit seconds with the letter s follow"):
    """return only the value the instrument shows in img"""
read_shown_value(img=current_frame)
5h31
